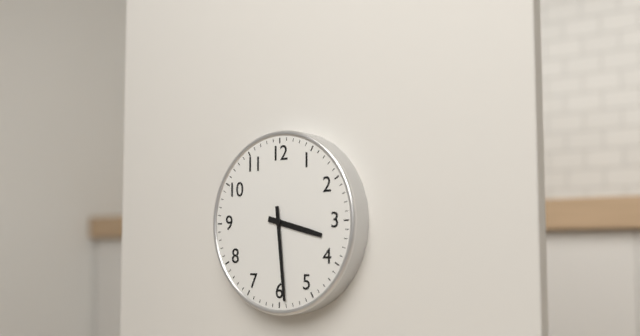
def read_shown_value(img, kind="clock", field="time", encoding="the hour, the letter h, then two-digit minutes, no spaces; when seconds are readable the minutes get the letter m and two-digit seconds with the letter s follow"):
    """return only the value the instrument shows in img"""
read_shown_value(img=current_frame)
3h29
